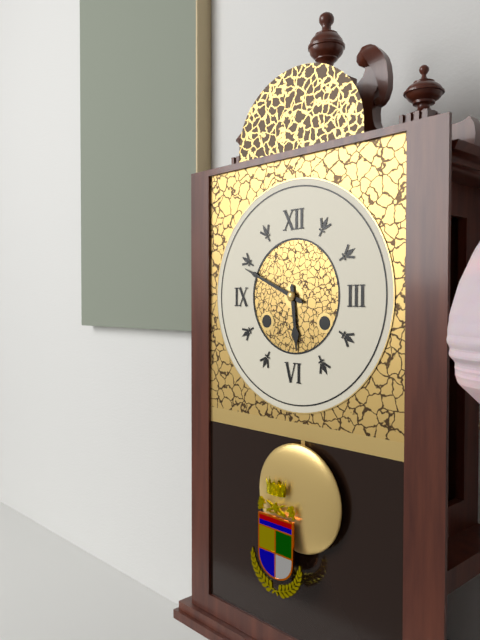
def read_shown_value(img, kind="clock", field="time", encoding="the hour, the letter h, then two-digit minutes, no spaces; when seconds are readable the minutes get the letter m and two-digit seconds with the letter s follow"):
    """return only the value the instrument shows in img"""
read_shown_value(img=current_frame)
5h49
